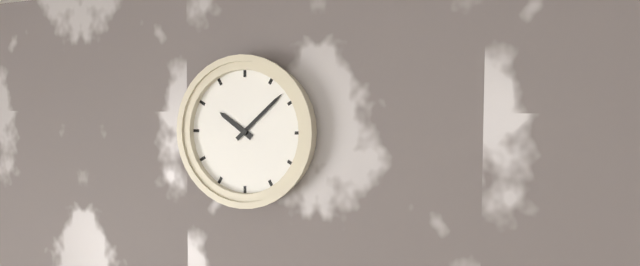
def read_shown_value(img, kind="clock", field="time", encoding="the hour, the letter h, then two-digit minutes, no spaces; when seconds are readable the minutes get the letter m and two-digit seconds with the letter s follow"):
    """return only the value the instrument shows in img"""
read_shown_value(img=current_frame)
10h08
